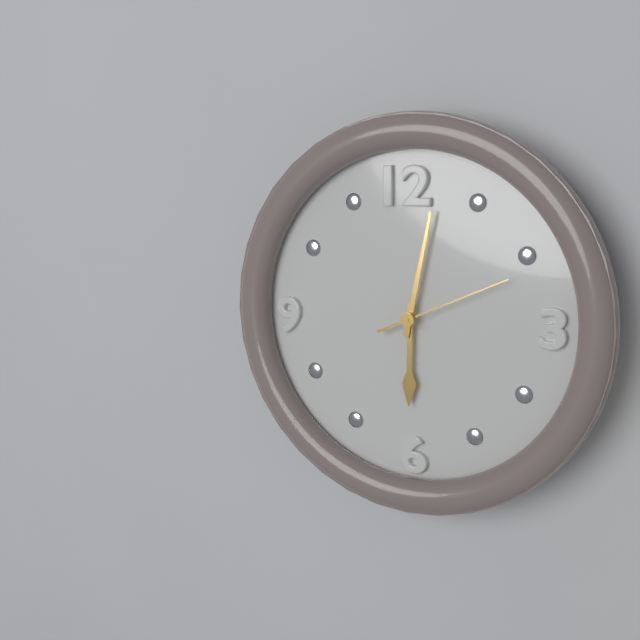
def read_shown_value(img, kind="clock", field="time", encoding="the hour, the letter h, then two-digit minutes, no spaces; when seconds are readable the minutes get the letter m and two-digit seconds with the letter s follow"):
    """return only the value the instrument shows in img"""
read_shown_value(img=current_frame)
6h02m11s
